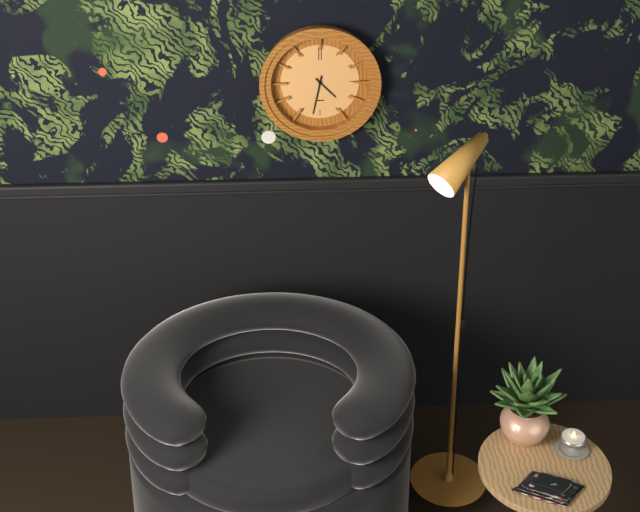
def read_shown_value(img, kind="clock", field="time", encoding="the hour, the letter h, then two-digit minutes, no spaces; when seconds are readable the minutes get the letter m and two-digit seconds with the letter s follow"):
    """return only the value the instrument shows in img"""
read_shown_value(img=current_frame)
4h32
